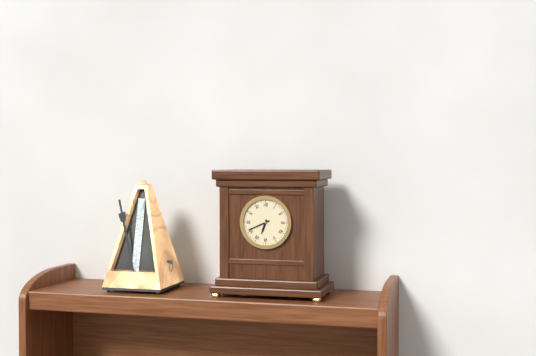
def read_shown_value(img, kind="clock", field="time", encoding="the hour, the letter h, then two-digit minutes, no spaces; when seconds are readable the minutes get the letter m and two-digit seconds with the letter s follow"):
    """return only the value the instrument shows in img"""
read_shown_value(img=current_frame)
6h41
